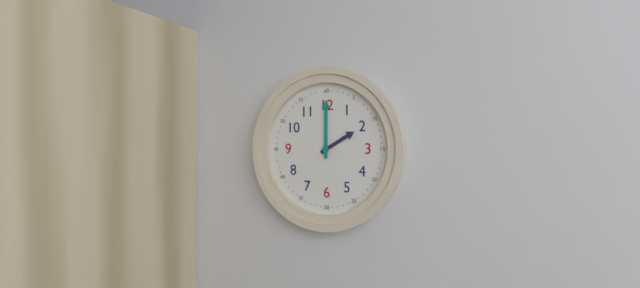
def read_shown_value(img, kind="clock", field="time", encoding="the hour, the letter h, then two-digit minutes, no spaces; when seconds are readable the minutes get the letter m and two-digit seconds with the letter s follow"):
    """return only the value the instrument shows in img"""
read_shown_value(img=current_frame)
2h00
